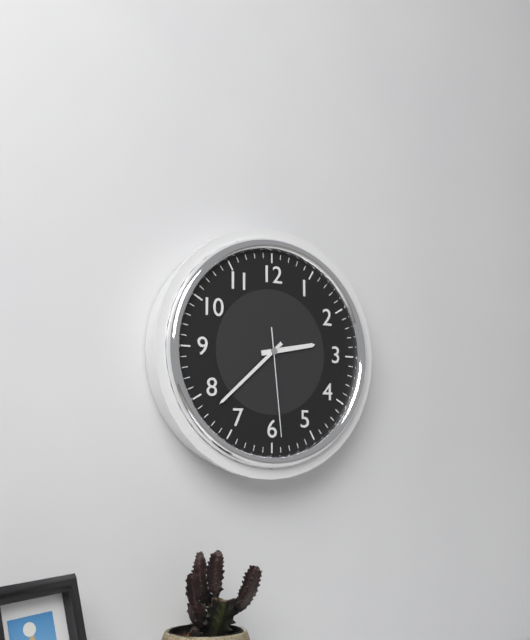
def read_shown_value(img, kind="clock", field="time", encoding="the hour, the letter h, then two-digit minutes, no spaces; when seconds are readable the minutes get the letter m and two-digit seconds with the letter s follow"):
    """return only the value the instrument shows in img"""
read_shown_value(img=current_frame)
2h38m29s
